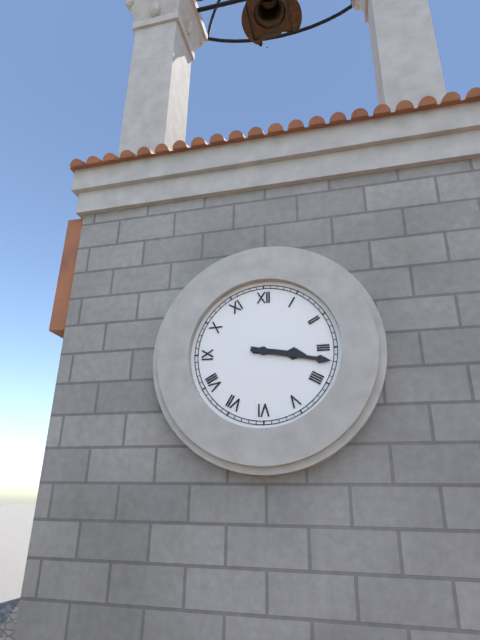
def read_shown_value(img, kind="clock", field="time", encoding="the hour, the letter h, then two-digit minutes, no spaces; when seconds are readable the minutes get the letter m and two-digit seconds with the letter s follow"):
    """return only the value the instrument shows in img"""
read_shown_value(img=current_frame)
3h17
